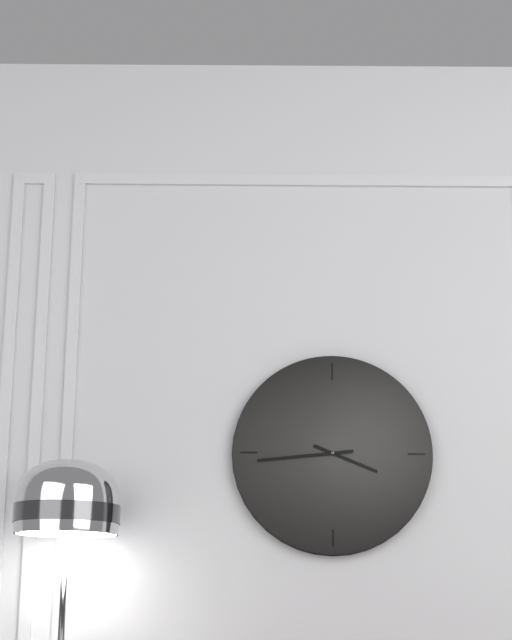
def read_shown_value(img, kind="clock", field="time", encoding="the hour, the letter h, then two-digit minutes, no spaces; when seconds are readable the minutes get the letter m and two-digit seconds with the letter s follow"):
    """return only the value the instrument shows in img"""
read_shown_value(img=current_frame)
3h44
